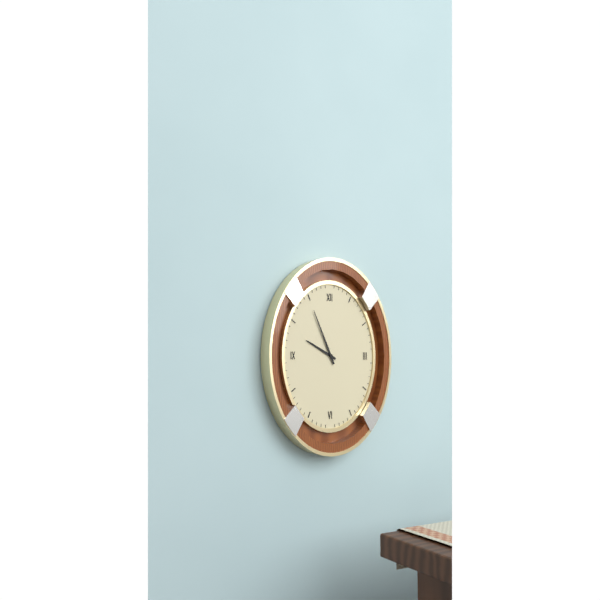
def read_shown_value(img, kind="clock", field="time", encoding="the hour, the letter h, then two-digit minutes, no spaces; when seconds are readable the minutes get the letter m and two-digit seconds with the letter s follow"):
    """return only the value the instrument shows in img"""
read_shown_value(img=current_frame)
9h56
